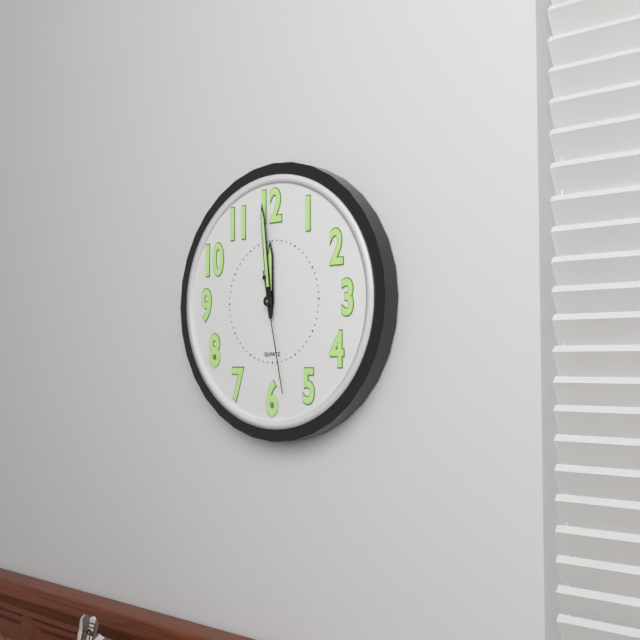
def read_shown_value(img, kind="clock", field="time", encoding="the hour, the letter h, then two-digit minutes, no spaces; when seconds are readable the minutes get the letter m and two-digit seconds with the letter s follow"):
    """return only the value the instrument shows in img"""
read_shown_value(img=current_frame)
11h59m28s
